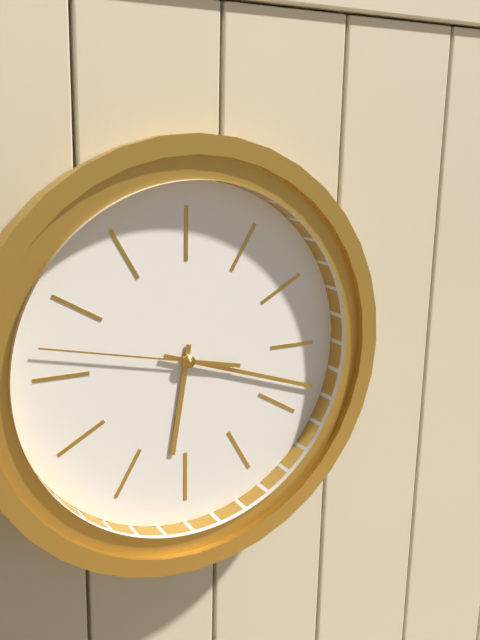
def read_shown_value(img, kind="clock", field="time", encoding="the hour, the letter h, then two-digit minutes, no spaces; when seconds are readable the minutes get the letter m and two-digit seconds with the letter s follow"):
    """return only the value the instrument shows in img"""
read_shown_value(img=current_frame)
6h18m47s
